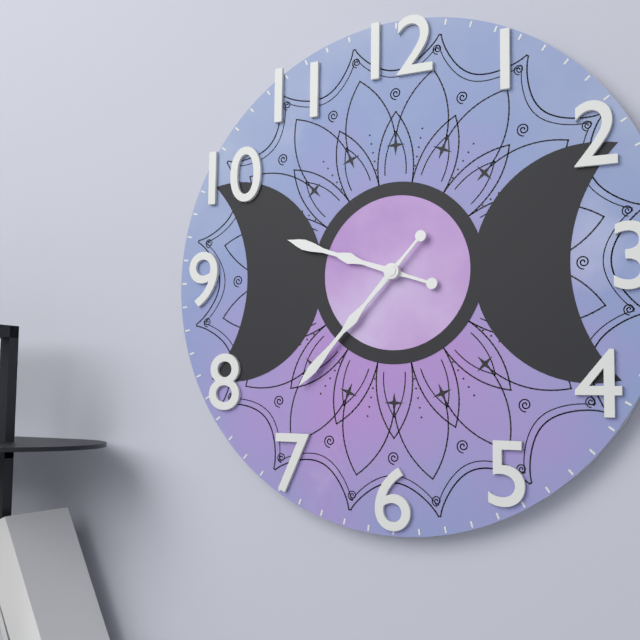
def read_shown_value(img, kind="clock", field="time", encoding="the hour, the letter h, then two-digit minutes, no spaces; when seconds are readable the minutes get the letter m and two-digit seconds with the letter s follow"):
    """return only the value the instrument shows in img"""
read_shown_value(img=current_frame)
9h37
